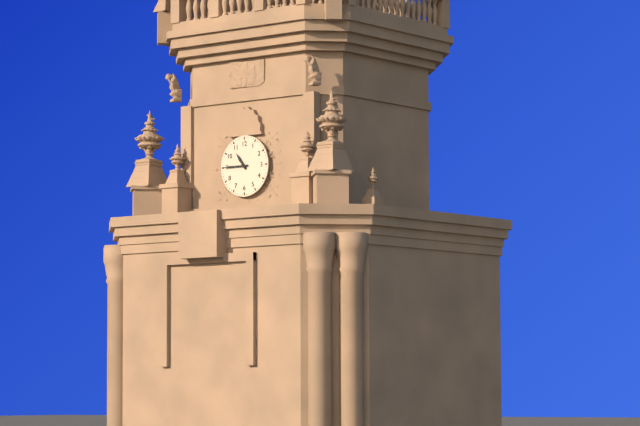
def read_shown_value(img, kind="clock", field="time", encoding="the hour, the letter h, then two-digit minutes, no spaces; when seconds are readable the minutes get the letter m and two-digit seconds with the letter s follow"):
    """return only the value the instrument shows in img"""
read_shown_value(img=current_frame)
10h45
